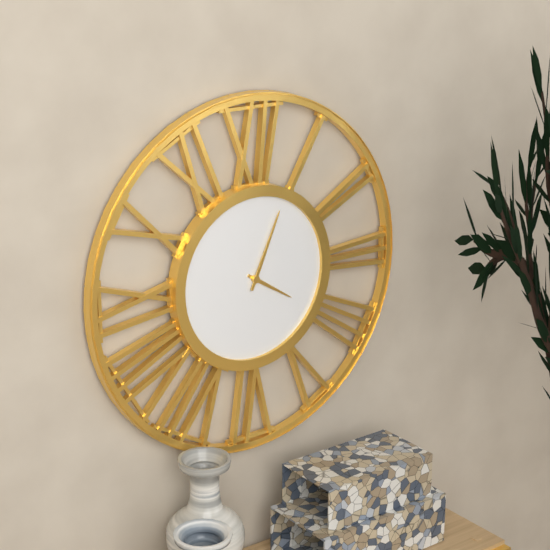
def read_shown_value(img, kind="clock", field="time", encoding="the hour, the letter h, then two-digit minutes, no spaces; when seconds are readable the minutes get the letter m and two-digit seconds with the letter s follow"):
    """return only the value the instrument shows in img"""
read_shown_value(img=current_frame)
4h04
